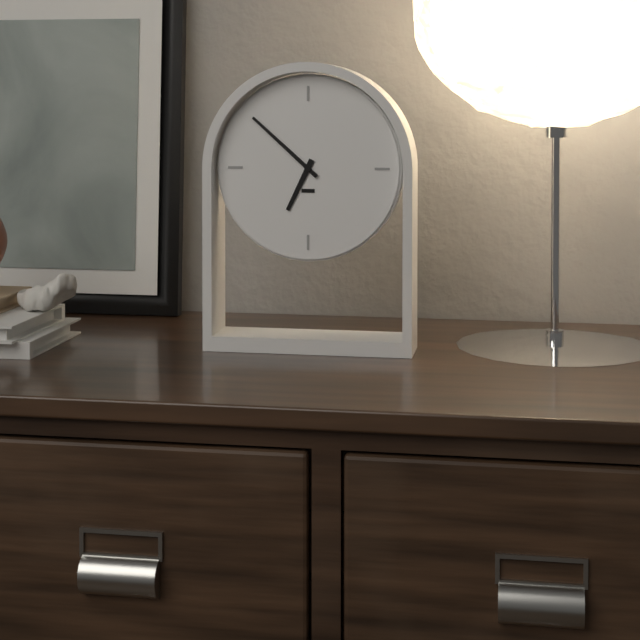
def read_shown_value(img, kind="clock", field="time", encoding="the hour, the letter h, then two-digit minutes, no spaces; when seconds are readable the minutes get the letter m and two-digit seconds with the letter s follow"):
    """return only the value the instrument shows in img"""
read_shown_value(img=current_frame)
6h52
